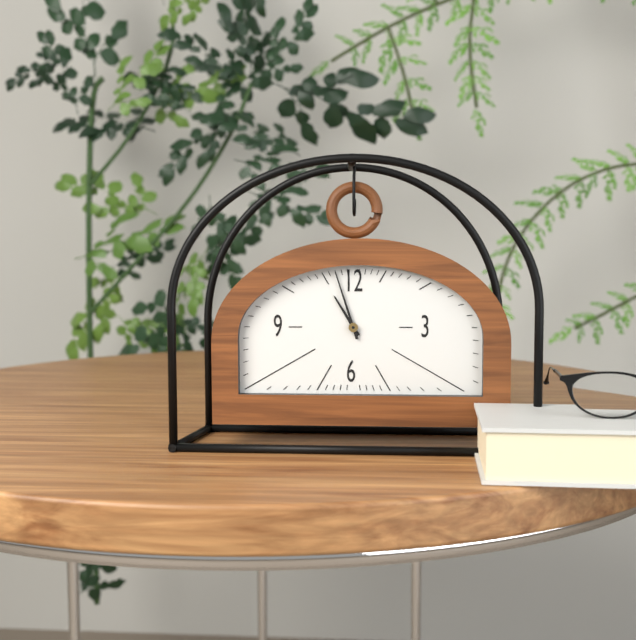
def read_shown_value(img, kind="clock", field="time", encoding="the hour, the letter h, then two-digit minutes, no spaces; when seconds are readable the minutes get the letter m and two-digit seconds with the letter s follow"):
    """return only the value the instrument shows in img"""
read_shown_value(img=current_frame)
10h57
